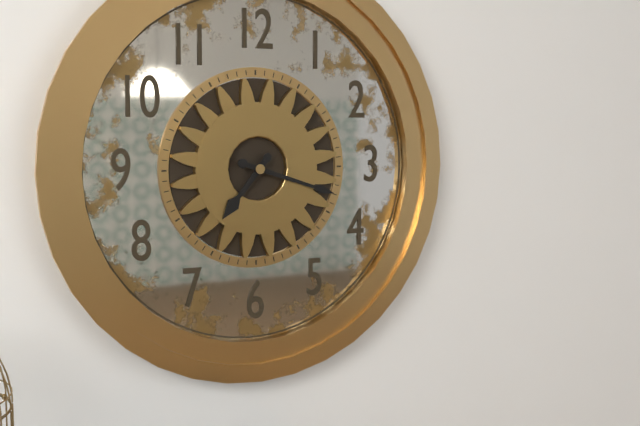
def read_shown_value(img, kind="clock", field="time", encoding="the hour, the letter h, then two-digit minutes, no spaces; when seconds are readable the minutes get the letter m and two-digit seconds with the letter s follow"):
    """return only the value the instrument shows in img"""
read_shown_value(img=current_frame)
7h18
